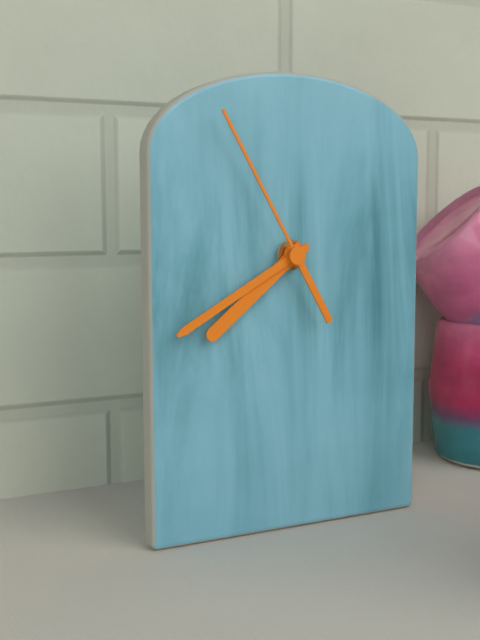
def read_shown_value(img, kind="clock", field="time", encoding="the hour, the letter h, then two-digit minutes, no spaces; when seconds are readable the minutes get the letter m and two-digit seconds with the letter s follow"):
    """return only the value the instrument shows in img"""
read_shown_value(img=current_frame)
7h40m55s
